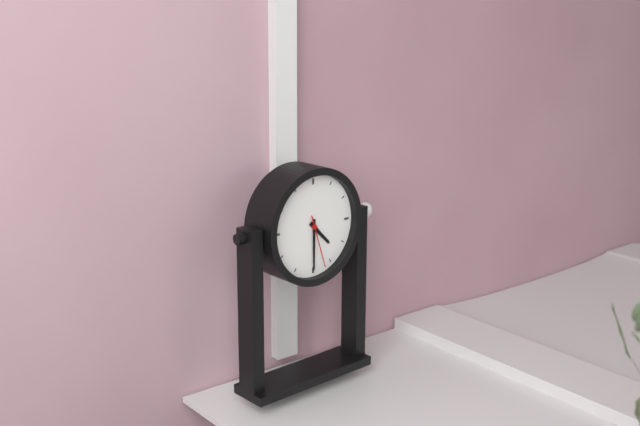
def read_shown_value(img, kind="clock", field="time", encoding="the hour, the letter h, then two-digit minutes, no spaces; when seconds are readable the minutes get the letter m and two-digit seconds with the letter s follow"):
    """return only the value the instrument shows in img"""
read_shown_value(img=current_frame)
4h30m27s
